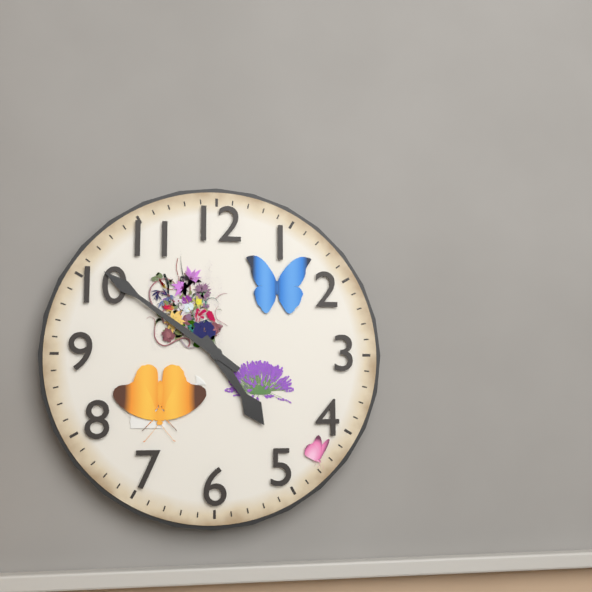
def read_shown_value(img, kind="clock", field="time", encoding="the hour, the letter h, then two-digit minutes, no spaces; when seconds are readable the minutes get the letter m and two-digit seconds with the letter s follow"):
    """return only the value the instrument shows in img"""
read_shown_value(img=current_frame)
4h51
